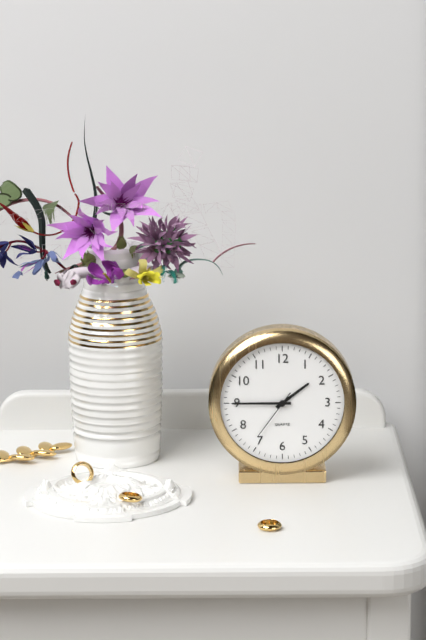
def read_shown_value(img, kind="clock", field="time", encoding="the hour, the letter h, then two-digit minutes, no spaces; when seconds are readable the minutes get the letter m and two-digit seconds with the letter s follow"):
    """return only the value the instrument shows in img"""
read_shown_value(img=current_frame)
1h45m36s
